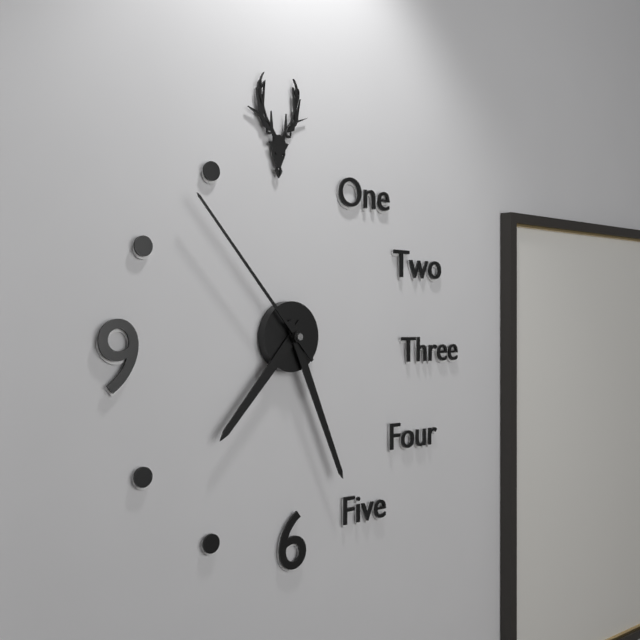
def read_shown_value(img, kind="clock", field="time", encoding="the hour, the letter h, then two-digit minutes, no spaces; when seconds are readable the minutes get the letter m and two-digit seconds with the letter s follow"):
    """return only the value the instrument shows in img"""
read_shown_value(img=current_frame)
7h26m53s
